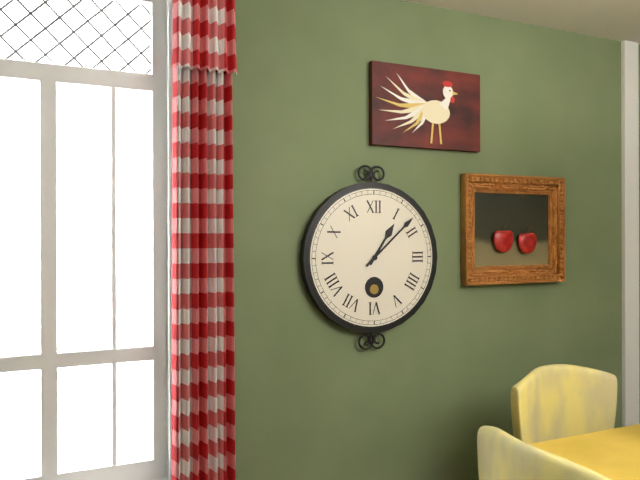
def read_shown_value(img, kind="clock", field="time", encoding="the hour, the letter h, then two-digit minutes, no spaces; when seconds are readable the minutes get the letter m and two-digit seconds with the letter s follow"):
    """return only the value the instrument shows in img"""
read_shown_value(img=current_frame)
1h08
